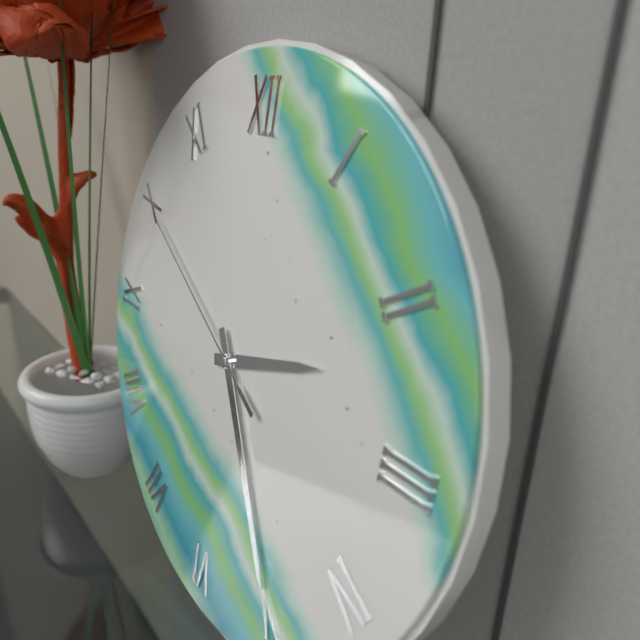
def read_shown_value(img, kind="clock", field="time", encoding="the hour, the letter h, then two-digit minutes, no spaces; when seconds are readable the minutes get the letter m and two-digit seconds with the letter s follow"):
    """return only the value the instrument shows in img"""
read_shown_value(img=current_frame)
2h25m50s
